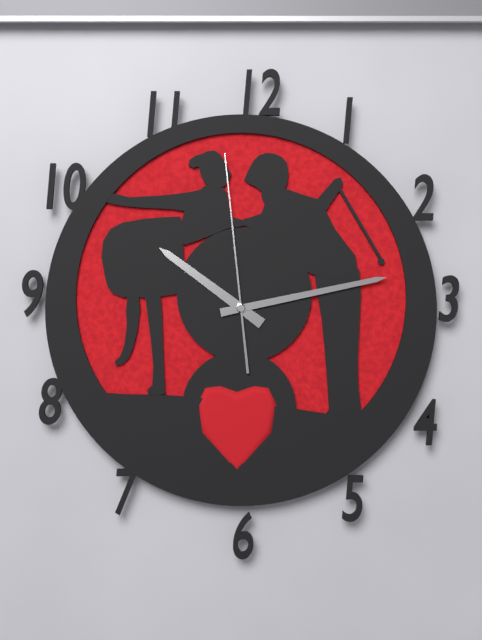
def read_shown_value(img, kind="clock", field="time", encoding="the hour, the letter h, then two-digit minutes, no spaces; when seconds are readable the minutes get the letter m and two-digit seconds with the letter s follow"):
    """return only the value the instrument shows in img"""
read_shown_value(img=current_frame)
10h13m59s
